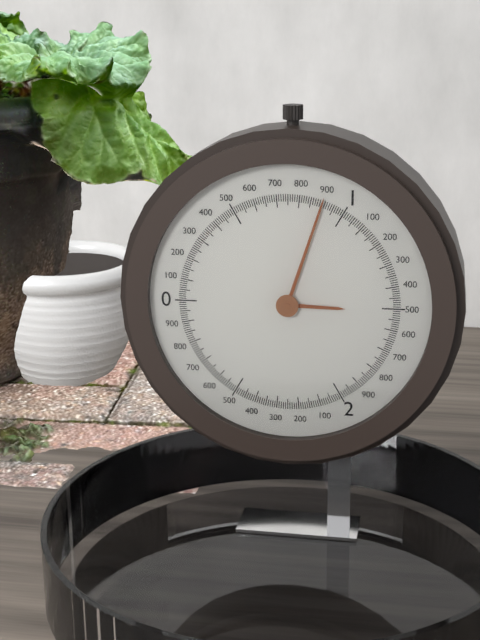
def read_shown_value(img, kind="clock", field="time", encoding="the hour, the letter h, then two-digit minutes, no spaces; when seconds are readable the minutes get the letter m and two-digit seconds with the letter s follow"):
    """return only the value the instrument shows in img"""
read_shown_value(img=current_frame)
3h03
